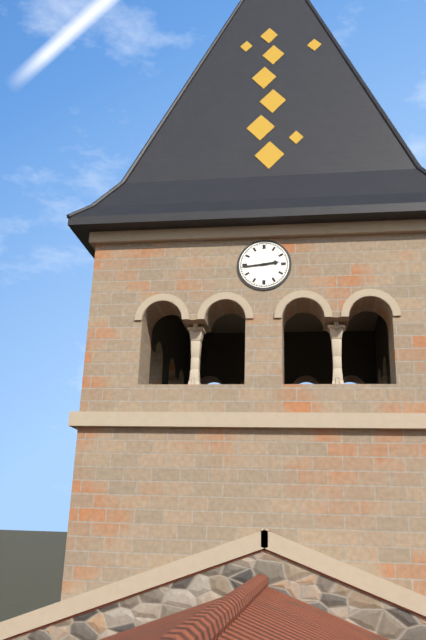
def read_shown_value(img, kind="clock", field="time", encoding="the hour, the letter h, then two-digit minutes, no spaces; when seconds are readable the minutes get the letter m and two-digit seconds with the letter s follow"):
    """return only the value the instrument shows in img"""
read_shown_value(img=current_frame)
2h44
